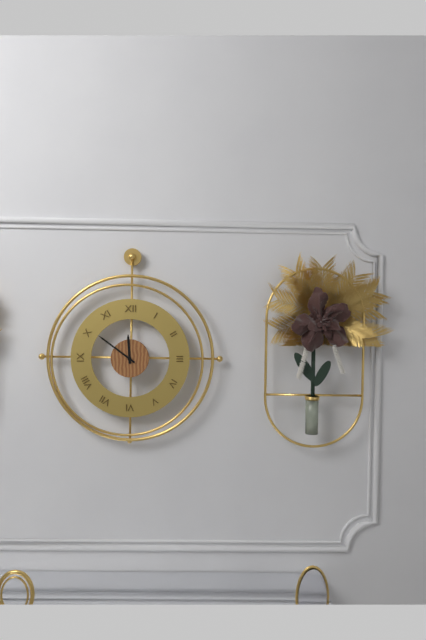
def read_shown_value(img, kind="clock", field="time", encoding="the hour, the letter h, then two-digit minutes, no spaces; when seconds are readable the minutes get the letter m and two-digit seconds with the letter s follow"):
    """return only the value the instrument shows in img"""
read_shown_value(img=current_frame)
11h51
